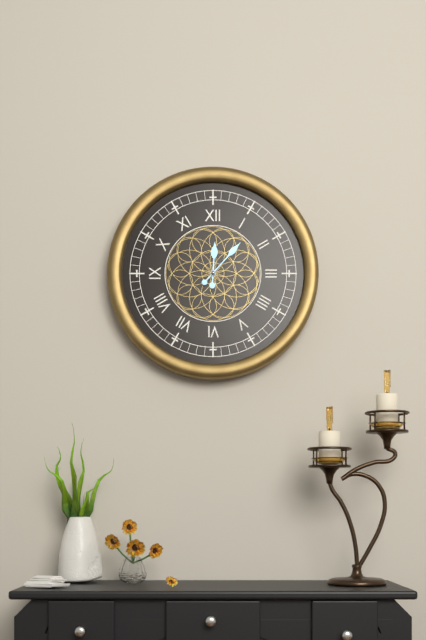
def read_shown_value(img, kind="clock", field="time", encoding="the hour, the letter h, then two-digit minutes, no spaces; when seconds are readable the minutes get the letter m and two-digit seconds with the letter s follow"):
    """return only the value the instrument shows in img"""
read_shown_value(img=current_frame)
12h07
